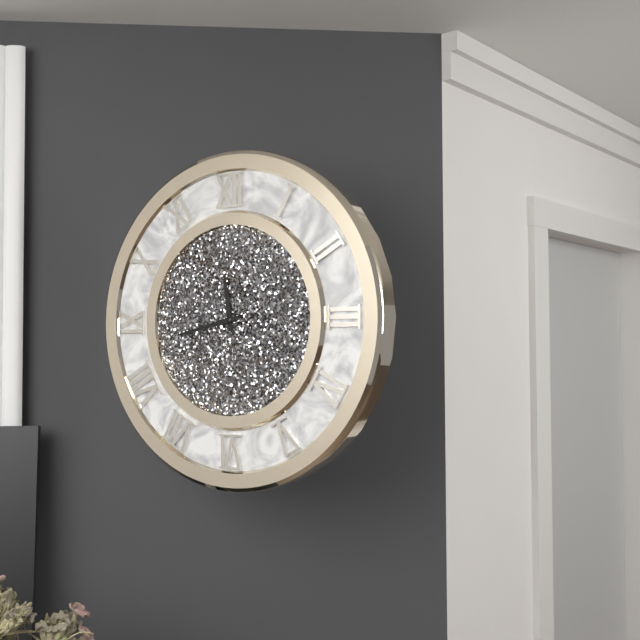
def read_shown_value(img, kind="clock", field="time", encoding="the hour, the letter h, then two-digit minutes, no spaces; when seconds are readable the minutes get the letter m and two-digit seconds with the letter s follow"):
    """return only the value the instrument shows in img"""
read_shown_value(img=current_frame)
11h43
